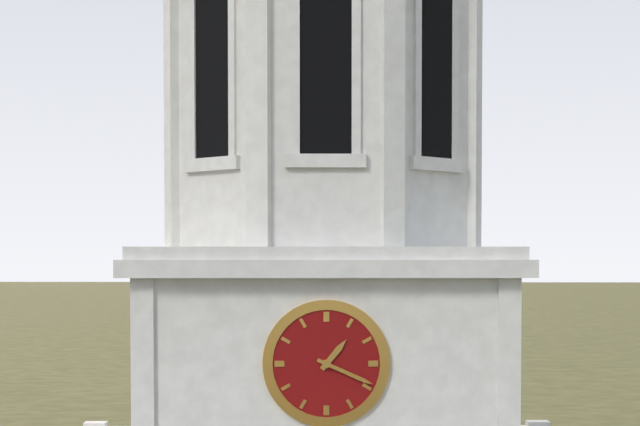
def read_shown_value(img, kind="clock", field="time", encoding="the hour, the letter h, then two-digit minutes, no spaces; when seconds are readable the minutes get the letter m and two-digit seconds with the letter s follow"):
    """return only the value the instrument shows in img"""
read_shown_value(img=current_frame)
1h19
